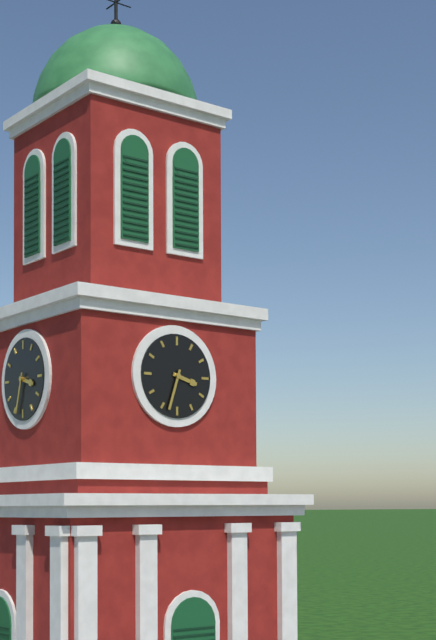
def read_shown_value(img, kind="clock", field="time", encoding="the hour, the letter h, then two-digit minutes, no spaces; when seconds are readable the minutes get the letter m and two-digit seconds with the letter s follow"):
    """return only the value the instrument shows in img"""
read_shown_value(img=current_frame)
3h33
